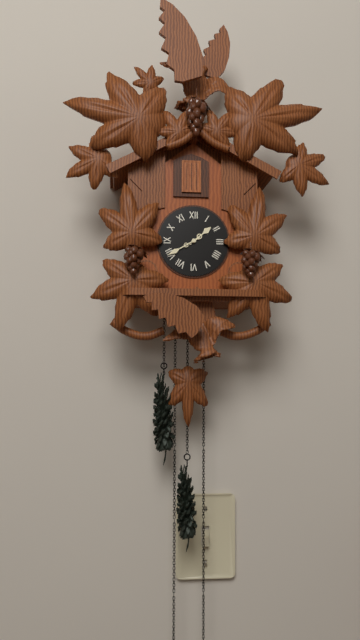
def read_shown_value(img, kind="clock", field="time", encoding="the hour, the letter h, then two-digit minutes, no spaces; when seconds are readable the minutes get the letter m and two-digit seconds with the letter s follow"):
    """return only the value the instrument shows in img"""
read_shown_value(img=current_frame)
1h40
